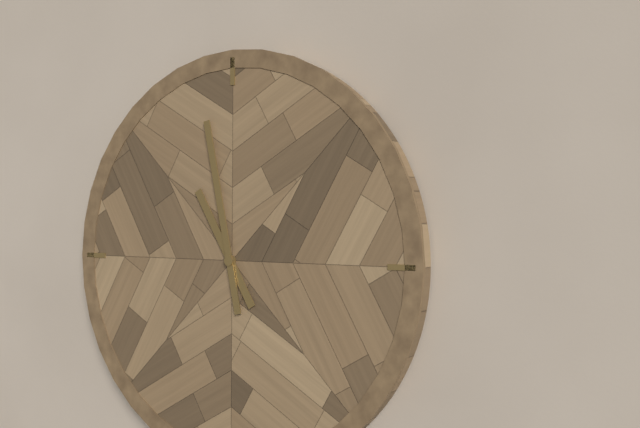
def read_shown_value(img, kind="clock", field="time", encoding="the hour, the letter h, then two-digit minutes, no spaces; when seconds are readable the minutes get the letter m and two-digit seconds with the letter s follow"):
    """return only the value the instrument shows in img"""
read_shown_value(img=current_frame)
10h58
